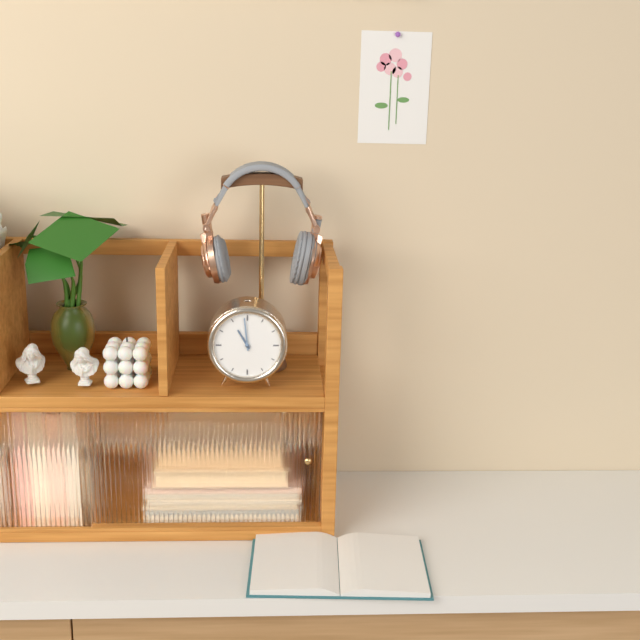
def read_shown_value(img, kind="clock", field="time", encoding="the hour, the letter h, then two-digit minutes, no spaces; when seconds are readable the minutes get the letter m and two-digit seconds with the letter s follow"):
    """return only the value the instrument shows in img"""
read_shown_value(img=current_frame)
10h59
